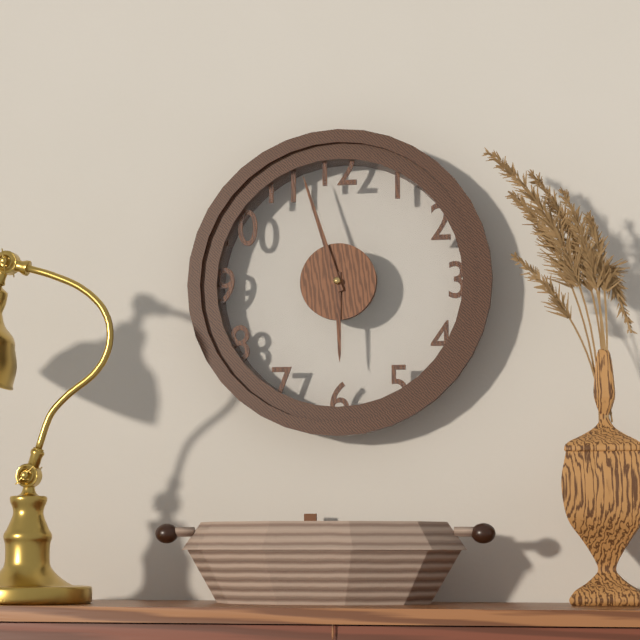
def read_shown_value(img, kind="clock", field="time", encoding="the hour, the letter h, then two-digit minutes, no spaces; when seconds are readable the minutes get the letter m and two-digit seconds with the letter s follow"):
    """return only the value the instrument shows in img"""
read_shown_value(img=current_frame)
5h57
